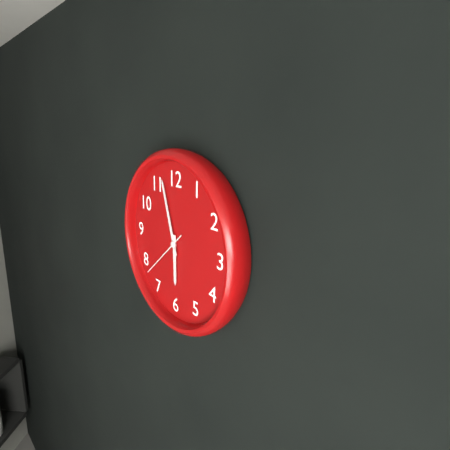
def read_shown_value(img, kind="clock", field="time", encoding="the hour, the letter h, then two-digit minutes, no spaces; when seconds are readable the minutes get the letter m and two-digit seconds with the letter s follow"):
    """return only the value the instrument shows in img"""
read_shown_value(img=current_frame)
5h57m38s
